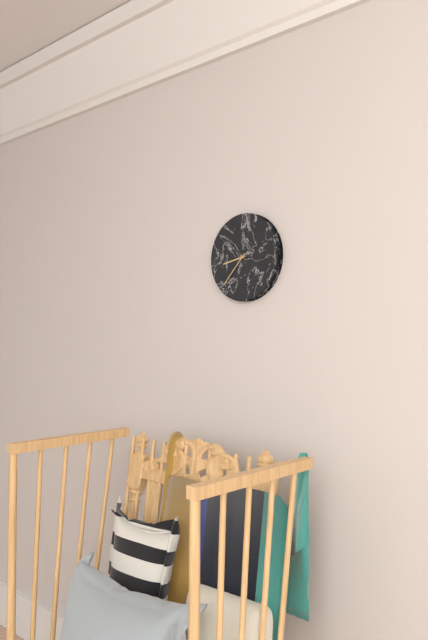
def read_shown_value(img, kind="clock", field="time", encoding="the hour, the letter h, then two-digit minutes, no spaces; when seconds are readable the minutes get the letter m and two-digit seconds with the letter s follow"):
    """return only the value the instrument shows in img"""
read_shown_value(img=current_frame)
8h37
